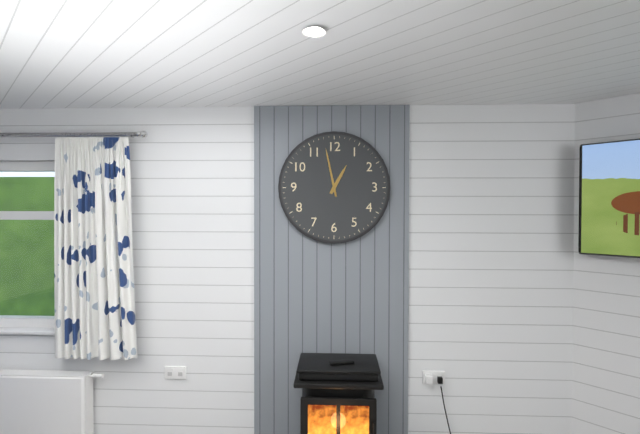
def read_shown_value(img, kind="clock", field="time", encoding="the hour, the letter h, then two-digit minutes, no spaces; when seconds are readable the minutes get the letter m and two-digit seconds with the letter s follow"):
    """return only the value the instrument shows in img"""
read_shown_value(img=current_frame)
12h58
